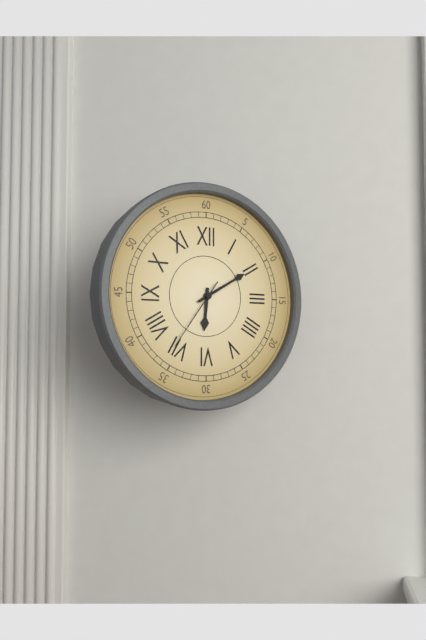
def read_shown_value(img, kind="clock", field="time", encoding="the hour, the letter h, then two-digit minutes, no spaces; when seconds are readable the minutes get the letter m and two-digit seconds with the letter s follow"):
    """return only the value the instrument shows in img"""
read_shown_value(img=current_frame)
6h10m36s
